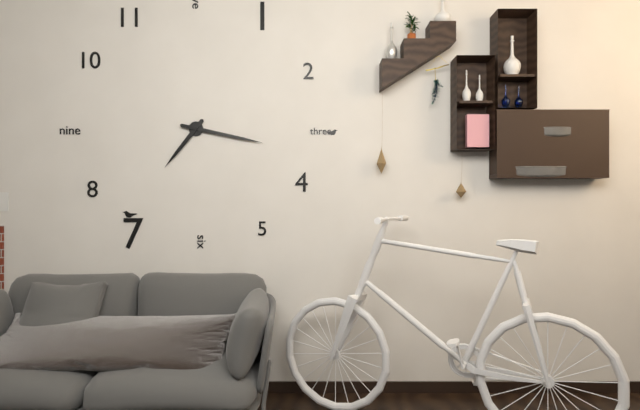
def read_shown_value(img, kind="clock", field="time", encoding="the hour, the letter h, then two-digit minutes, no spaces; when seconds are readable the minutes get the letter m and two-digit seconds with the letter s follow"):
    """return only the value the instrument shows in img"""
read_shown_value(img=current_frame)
7h17
